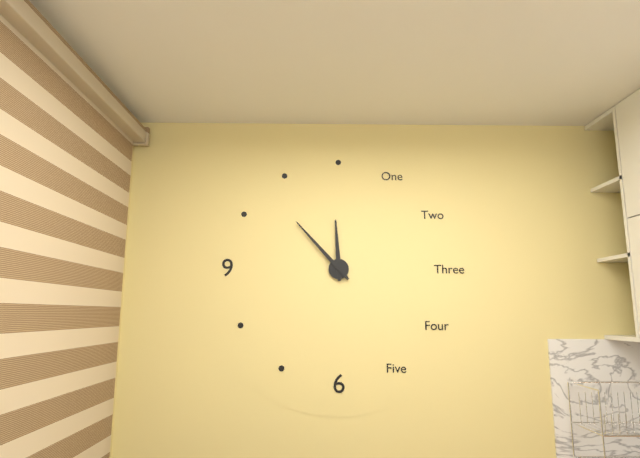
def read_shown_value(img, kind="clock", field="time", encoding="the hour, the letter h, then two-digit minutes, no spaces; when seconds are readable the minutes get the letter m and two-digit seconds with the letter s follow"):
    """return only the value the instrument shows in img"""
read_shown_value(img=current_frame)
11h53
